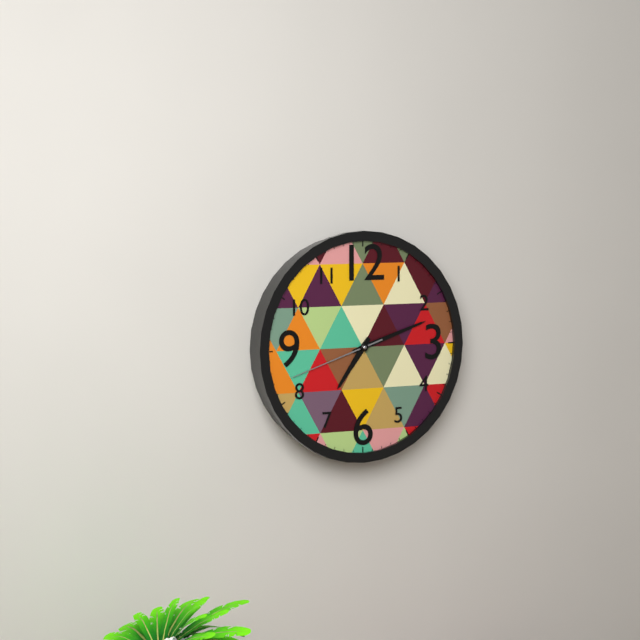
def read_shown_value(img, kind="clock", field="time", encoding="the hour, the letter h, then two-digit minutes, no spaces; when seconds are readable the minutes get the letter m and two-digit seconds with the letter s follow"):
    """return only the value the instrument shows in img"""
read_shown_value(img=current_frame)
7h12m42s
